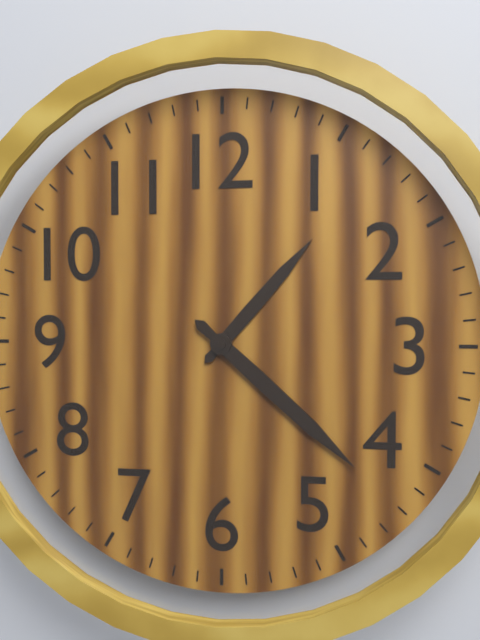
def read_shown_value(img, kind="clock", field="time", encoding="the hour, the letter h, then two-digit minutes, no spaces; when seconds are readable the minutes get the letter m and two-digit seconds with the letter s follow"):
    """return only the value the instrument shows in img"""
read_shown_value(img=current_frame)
1h22
